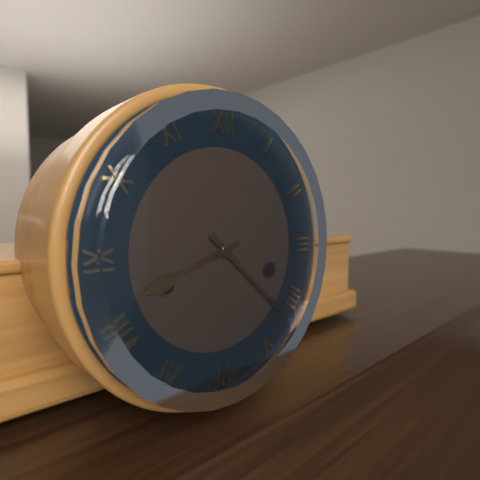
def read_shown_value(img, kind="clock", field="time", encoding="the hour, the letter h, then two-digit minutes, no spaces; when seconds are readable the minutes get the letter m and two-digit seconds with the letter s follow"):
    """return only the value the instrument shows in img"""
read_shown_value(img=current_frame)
8h22
